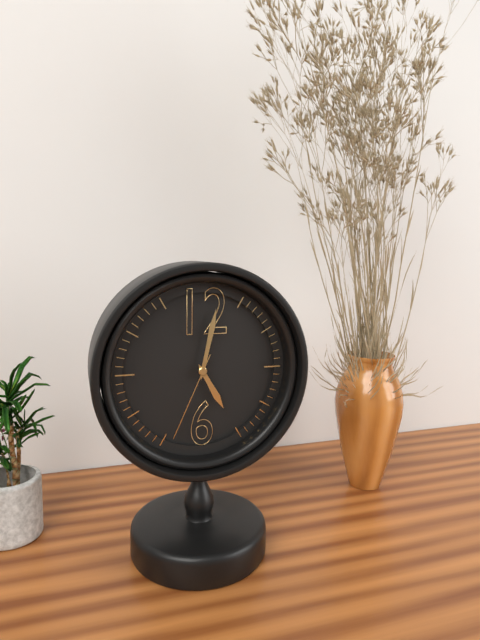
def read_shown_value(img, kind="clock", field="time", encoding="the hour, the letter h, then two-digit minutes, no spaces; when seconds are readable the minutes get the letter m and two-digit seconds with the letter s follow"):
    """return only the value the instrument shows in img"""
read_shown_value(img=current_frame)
5h02m34s
